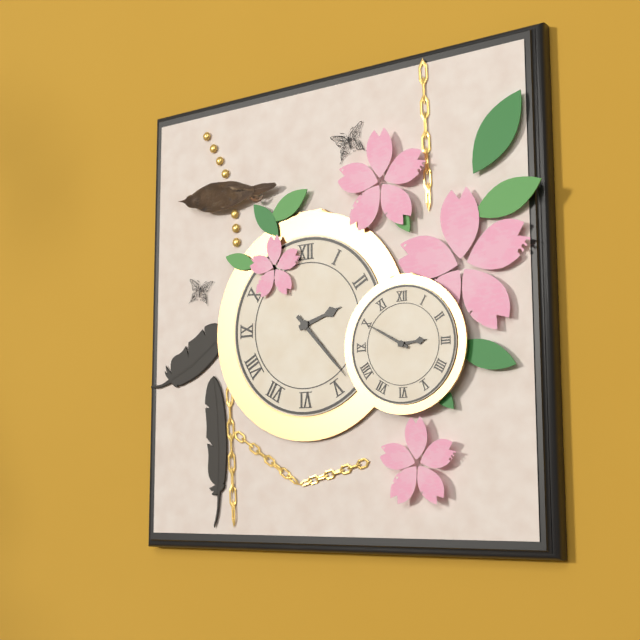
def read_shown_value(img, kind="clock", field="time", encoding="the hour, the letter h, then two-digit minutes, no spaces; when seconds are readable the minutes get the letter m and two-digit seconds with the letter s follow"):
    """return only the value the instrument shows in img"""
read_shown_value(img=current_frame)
2h23
